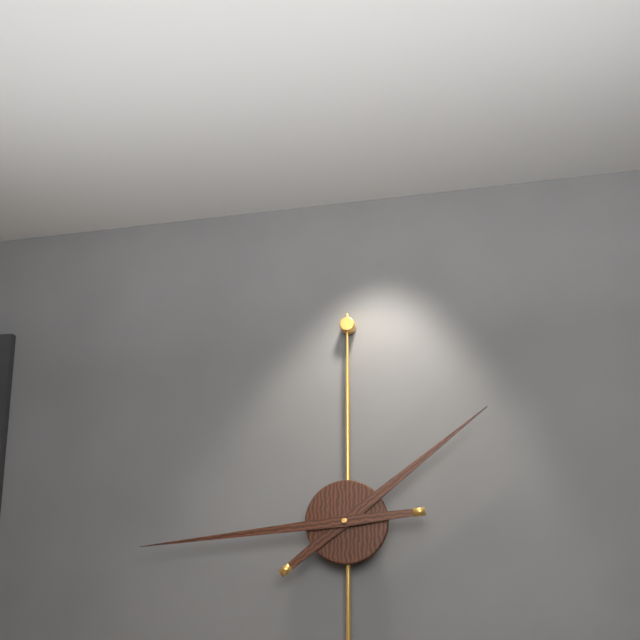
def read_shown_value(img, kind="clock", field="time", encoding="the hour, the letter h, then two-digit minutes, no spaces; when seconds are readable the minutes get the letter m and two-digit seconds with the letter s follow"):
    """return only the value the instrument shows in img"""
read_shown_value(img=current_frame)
1h44
